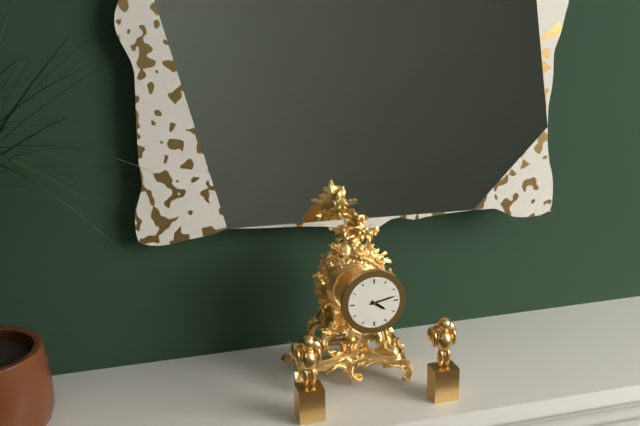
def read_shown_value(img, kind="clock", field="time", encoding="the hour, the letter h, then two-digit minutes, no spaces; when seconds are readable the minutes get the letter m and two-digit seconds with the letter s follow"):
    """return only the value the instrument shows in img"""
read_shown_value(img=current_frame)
4h13
